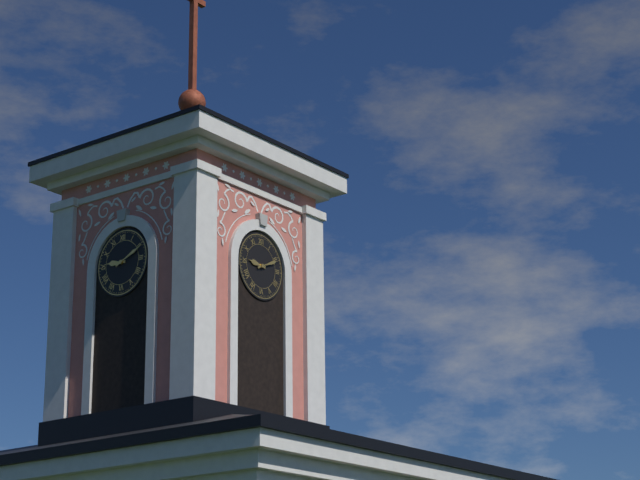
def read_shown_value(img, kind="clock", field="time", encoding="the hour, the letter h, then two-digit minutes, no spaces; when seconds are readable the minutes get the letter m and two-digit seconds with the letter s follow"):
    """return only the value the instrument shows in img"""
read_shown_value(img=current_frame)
9h11
